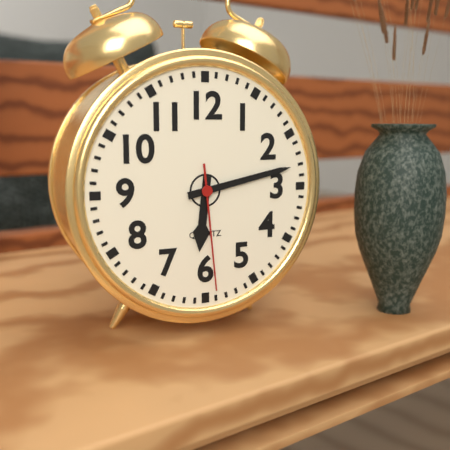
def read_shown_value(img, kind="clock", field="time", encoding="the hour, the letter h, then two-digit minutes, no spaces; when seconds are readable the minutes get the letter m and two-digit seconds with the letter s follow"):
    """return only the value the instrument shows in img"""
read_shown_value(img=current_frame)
6h13m29s
